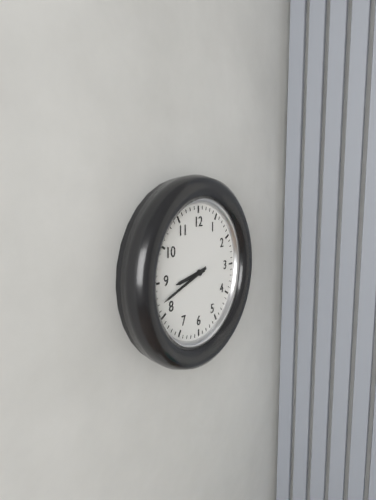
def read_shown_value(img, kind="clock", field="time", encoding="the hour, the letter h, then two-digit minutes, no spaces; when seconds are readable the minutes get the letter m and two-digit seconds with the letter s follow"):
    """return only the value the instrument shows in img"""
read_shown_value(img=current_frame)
8h42
